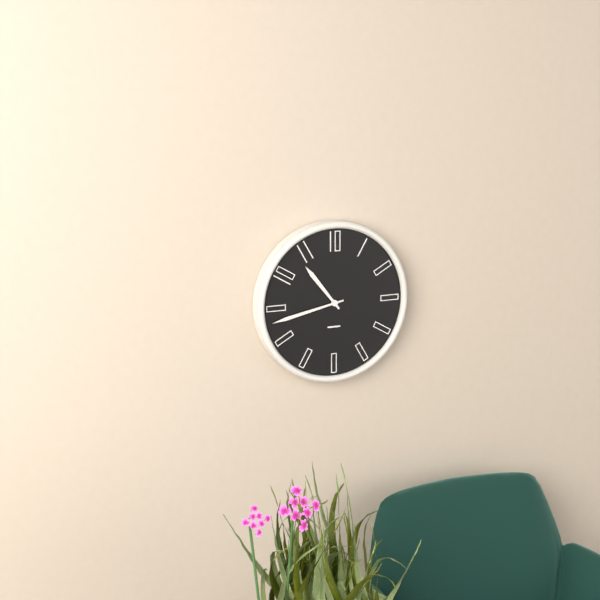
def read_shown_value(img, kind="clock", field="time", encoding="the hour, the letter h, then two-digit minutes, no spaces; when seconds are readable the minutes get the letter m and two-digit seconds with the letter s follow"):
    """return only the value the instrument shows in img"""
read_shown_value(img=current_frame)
10h43
